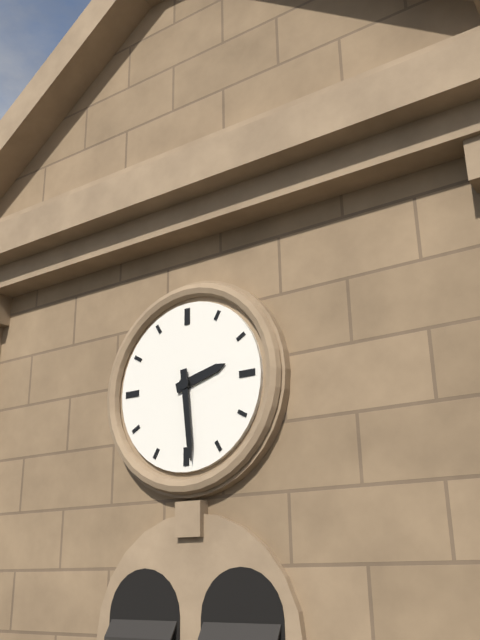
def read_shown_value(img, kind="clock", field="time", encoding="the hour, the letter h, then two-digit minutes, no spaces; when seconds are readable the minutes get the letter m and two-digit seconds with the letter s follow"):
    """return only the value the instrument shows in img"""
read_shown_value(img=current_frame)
2h29
